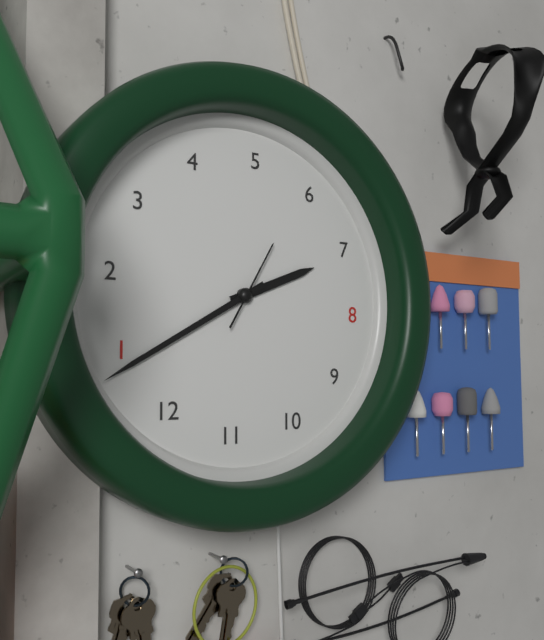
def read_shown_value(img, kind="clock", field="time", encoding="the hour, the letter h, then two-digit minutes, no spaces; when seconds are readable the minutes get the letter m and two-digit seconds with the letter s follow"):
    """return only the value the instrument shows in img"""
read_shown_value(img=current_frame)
7h04m29s
